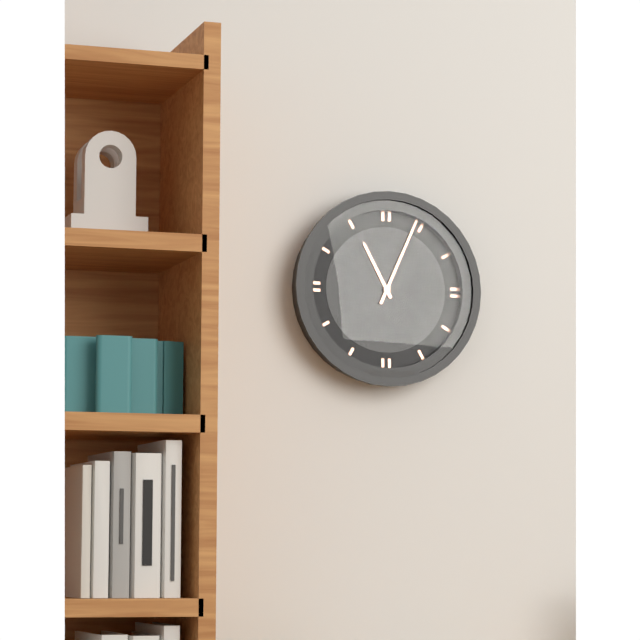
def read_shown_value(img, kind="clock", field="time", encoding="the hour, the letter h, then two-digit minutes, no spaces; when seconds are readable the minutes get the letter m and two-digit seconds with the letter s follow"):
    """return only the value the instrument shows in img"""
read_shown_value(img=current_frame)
11h04
